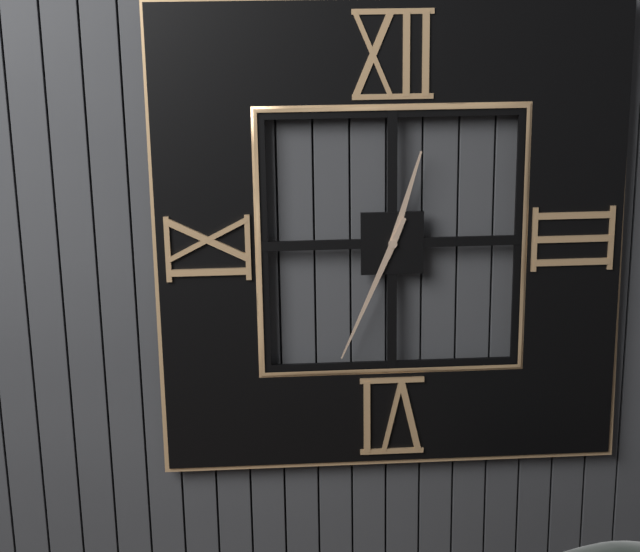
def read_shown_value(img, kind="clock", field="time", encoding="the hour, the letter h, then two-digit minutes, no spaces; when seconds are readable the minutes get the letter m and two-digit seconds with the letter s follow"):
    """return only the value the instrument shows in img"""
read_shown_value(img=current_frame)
12h34
